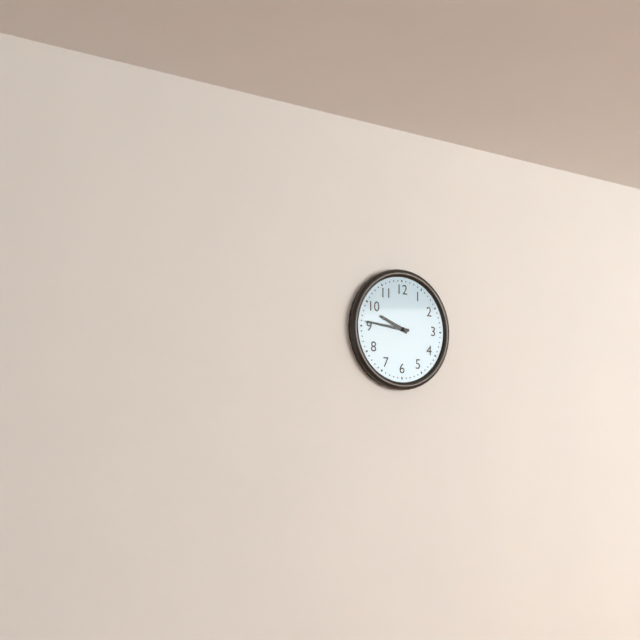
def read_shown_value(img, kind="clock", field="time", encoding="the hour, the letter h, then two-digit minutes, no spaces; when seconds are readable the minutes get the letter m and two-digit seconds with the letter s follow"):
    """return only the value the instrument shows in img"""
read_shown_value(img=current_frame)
9h46
